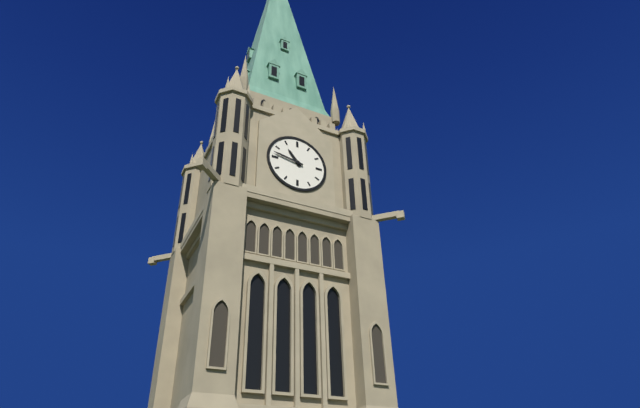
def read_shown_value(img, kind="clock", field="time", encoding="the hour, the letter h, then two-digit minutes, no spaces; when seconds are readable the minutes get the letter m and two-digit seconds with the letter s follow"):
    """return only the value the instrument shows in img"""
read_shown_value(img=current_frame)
10h47
